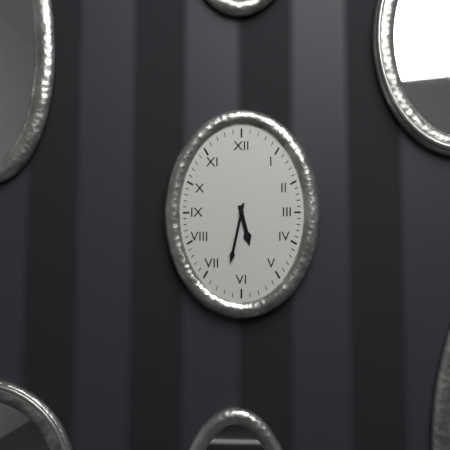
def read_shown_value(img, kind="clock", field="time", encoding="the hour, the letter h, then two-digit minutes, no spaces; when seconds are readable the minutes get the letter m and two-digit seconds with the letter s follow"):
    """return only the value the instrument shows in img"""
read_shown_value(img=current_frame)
5h32
